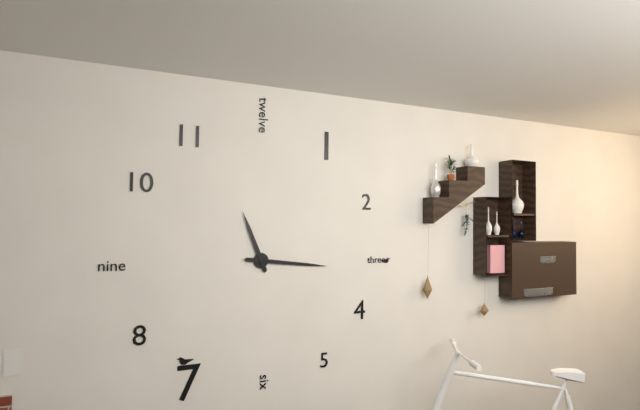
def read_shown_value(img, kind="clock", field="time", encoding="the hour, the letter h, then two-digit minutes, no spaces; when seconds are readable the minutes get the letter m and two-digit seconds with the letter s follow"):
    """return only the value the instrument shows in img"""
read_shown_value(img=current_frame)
11h16
